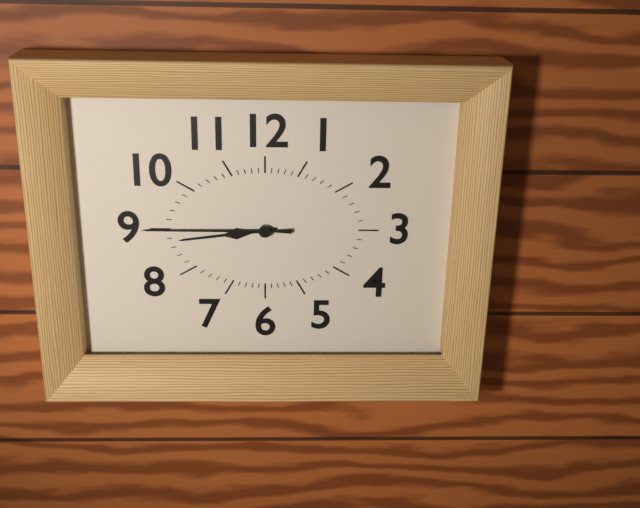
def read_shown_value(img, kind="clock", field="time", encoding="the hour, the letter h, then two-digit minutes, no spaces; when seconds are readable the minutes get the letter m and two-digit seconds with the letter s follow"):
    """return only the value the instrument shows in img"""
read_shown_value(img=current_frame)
8h45
